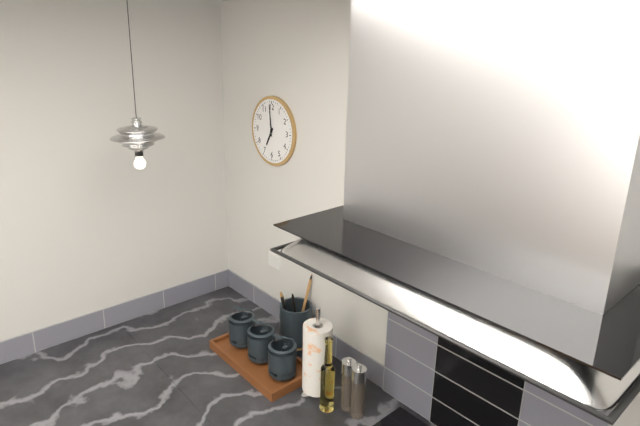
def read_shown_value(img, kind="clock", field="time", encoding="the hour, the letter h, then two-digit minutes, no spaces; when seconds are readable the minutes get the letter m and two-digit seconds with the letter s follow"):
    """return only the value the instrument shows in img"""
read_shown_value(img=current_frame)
6h59
